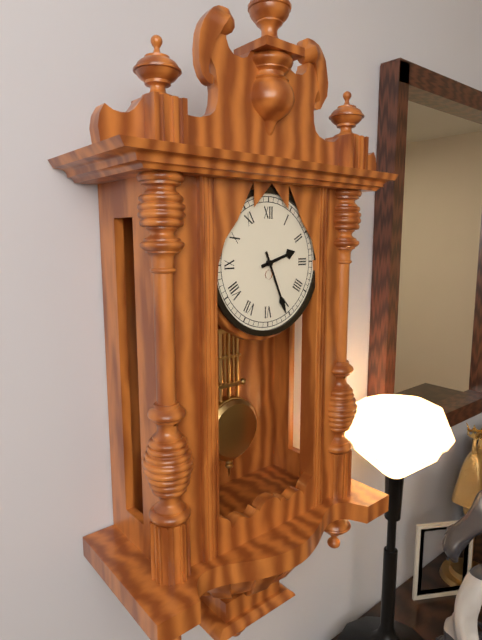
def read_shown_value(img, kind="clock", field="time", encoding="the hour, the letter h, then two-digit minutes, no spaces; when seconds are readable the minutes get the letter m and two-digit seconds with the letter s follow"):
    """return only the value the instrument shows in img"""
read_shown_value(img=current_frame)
2h26
